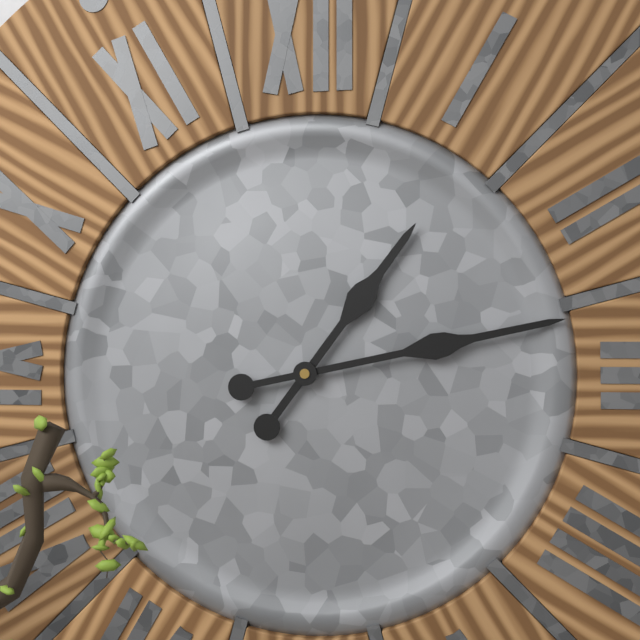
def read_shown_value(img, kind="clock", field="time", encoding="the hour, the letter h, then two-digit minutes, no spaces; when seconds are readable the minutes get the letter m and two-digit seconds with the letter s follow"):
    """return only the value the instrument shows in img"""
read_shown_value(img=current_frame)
1h13
